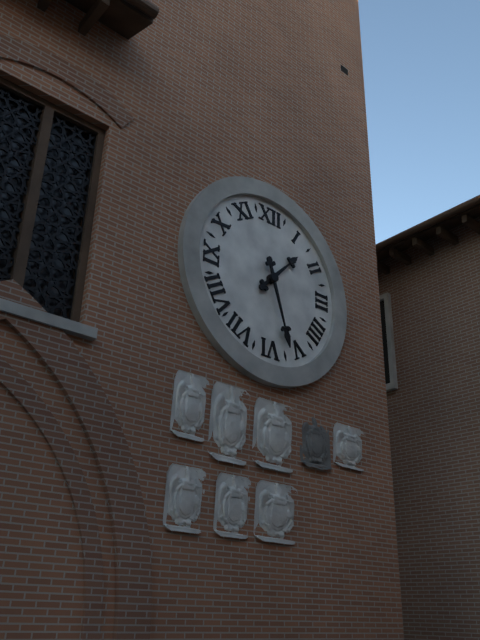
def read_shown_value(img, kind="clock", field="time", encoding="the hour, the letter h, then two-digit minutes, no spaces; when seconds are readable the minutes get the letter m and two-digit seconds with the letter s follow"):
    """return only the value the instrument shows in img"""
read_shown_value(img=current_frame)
1h27
